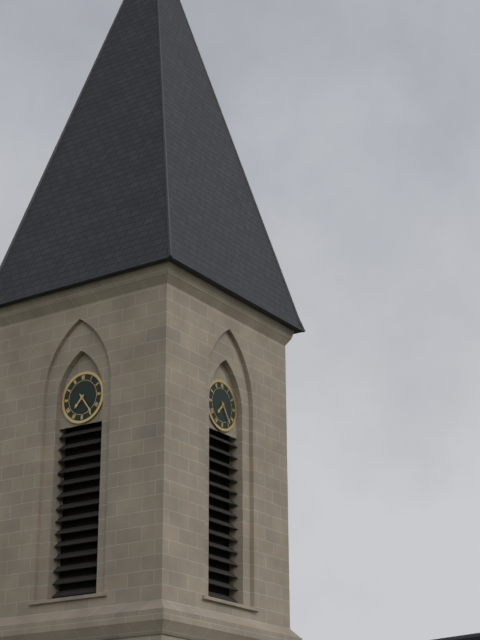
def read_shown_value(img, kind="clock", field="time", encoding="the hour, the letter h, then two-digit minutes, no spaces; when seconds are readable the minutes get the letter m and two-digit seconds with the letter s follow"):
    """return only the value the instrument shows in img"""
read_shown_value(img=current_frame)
7h24
